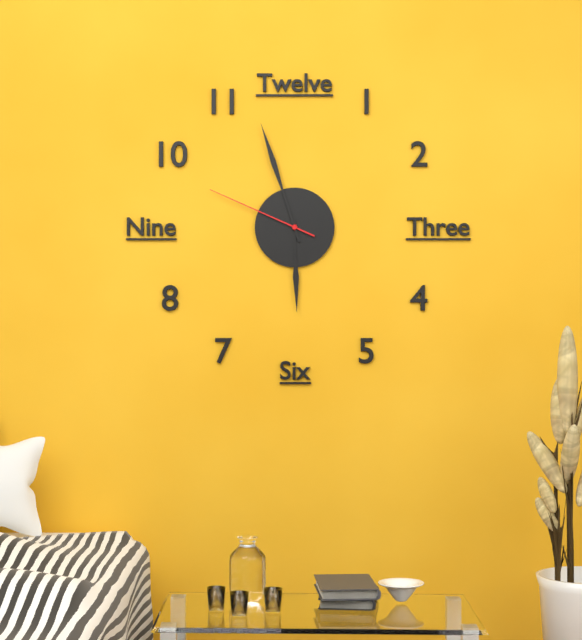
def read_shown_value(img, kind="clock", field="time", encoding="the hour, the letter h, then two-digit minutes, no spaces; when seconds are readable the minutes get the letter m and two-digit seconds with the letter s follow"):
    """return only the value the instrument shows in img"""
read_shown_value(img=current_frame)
5h57m49s
